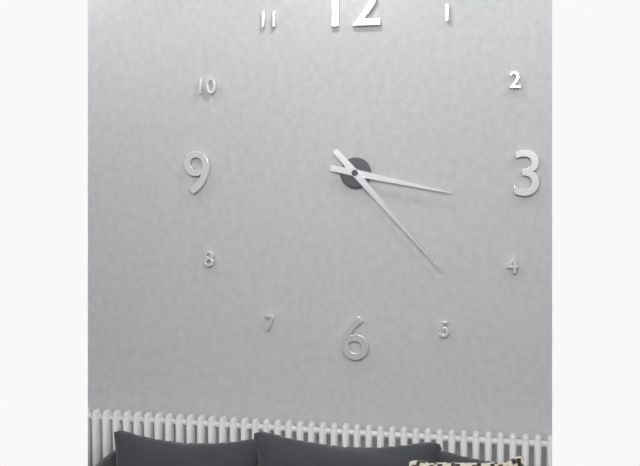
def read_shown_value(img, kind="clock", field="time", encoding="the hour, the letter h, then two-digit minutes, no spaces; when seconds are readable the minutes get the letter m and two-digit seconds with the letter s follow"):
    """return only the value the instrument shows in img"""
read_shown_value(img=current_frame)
3h23
